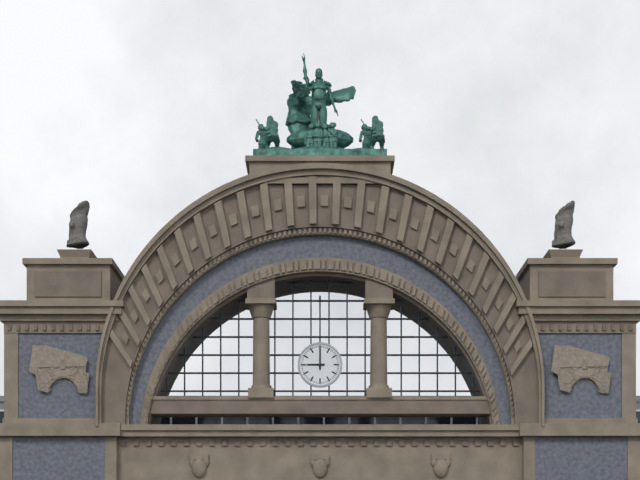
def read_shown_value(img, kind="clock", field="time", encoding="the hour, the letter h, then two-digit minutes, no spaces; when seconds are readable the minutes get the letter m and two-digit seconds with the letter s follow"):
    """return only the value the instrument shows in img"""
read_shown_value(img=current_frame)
9h00
